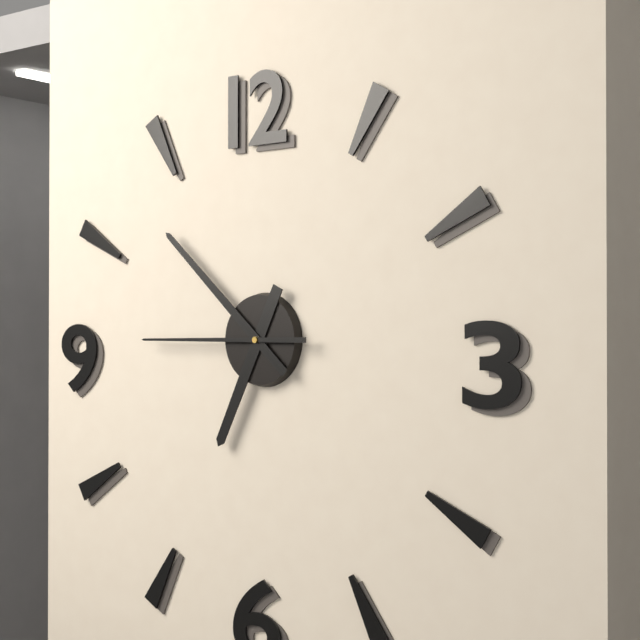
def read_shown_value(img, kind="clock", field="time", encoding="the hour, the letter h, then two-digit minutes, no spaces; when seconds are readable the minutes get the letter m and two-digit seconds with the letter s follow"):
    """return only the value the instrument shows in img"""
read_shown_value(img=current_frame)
6h52m45s
